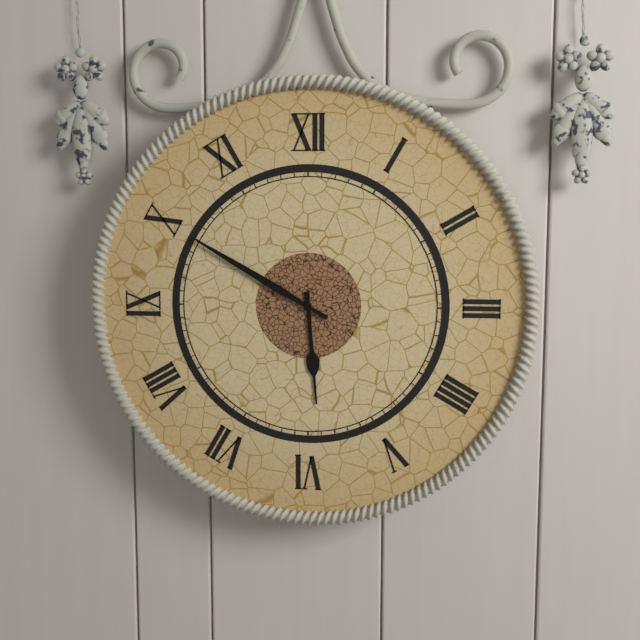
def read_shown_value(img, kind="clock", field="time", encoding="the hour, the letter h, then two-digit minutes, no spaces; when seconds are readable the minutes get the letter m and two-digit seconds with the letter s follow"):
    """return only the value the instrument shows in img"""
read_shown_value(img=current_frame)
5h50
